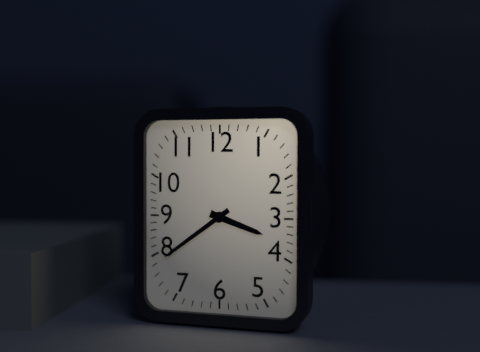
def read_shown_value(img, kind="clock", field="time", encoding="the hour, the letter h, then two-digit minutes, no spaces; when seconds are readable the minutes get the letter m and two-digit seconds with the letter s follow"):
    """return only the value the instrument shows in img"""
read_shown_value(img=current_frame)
3h39
